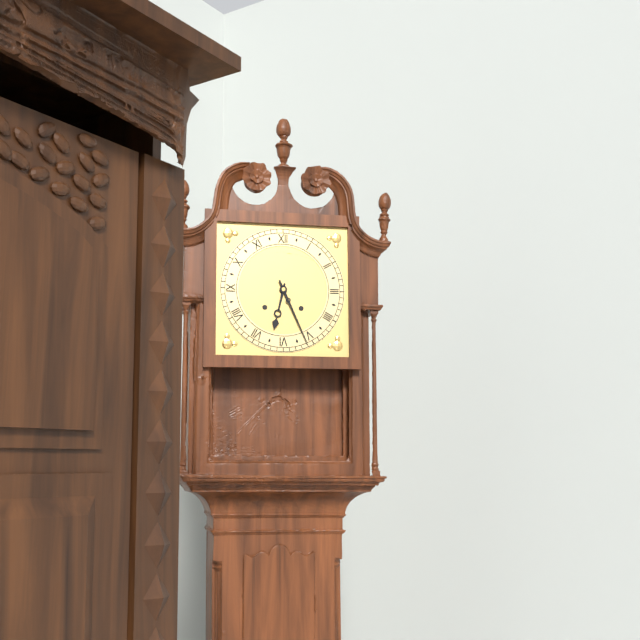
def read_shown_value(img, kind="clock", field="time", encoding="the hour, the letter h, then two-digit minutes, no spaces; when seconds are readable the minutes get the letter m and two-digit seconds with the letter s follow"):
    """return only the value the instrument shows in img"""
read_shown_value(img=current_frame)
6h26
